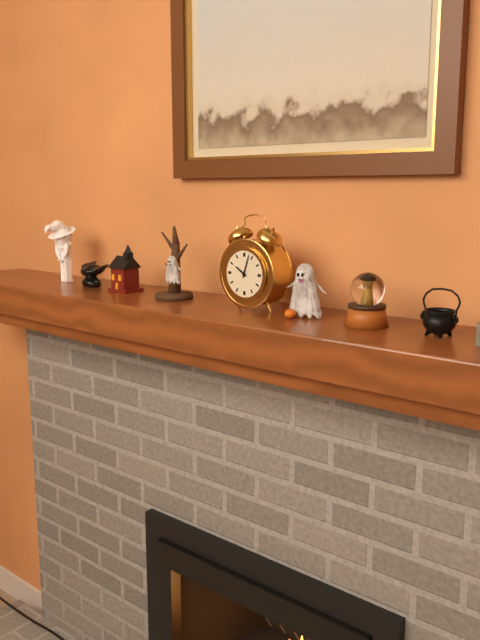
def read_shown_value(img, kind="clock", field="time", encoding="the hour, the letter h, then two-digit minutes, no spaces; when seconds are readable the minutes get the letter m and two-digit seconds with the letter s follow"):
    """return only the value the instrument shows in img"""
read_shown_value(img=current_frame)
10h03
